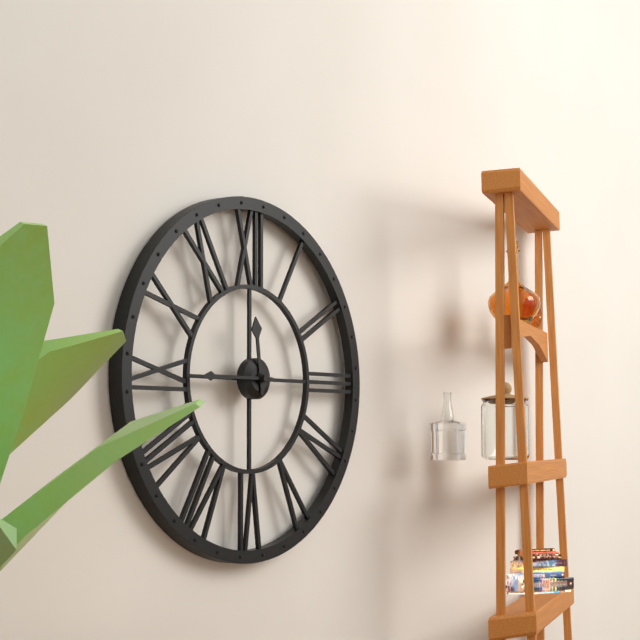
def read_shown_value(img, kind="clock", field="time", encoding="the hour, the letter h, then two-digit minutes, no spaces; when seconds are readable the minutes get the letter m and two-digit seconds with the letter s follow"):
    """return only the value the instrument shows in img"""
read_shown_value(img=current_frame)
11h45
